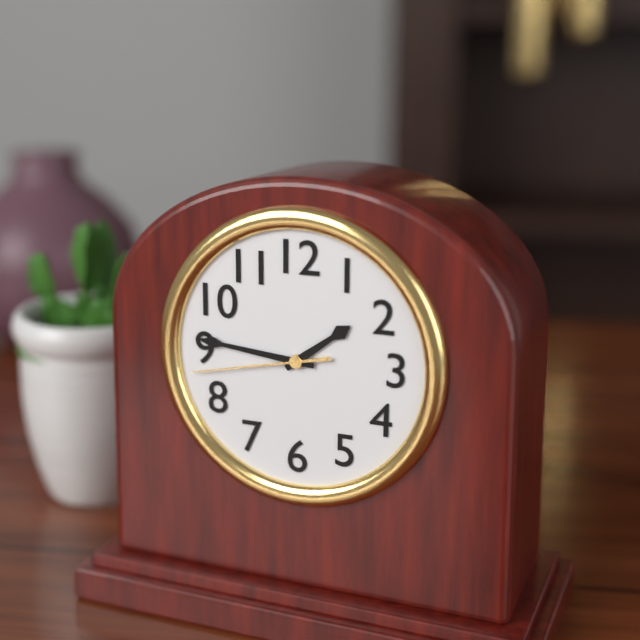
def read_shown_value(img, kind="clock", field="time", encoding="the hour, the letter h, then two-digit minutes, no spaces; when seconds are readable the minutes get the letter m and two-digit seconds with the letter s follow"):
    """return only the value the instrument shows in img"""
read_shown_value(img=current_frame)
1h46m43s
